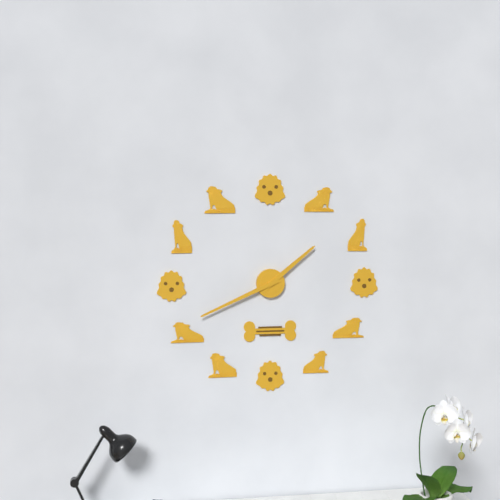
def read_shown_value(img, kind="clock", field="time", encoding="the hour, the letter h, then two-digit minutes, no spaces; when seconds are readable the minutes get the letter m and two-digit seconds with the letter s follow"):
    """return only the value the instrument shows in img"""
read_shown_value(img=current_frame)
1h41
